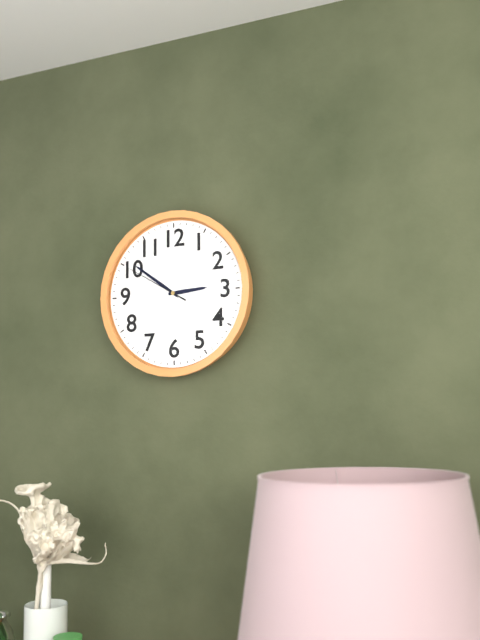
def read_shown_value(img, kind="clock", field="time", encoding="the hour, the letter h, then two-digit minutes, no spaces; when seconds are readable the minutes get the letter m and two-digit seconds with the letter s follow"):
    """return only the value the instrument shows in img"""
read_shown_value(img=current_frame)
2h51m50s
